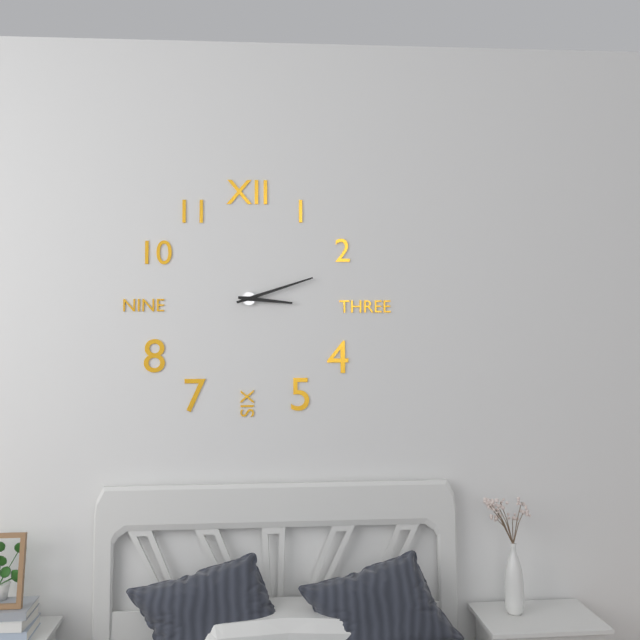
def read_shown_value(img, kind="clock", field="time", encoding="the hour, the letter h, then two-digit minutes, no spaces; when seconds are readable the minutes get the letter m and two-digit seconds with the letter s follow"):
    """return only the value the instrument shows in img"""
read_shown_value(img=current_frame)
3h12
